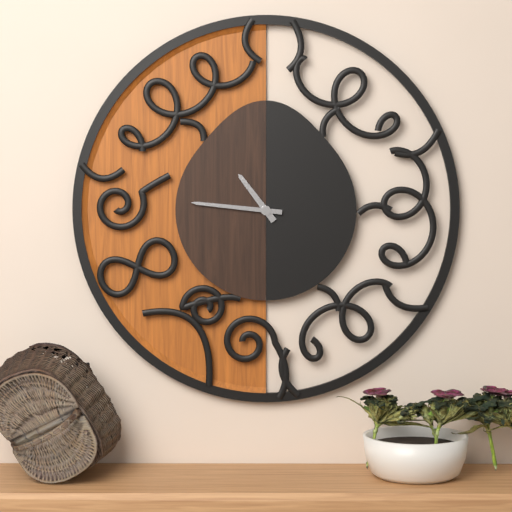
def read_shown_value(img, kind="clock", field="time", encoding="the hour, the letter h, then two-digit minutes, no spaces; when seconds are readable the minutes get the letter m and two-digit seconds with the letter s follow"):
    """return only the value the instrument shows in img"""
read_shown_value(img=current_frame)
10h46
